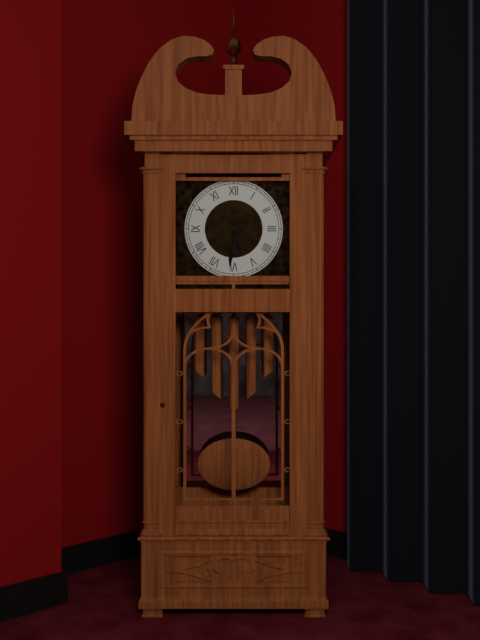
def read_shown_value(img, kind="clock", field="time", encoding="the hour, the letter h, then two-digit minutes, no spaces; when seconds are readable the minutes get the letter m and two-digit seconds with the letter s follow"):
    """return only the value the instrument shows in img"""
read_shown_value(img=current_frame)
5h31
